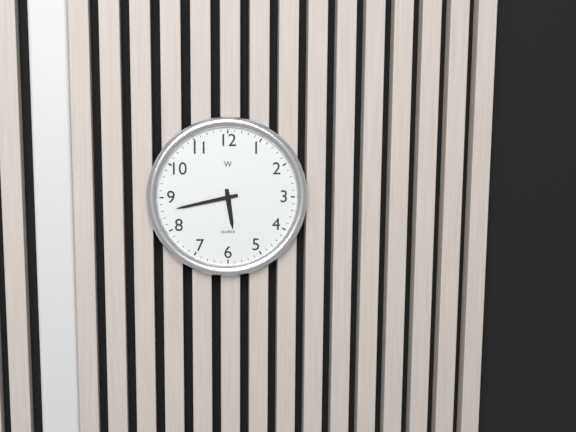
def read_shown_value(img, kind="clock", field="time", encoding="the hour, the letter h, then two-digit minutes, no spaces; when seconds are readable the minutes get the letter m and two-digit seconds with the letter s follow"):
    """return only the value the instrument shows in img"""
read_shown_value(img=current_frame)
5h43
